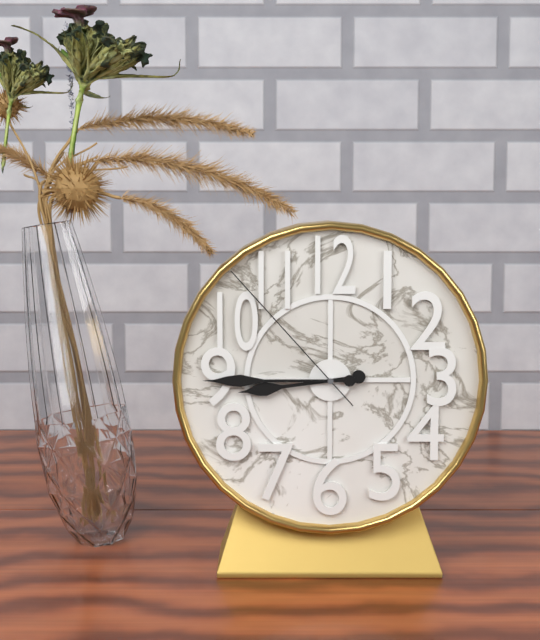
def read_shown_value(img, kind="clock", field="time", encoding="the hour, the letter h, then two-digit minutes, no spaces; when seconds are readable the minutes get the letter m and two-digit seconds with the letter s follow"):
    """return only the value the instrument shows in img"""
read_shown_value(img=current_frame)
8h45m53s
